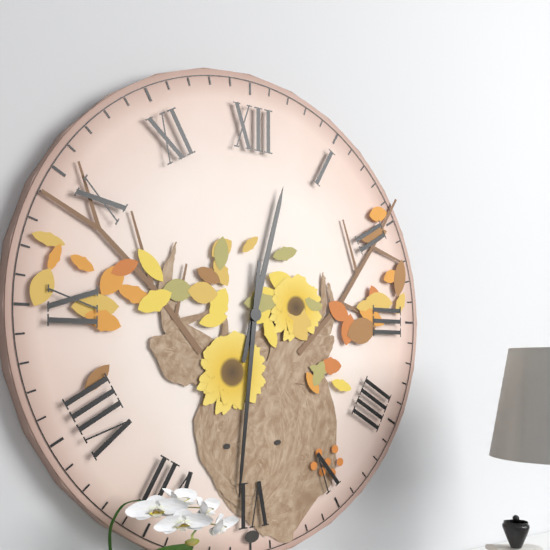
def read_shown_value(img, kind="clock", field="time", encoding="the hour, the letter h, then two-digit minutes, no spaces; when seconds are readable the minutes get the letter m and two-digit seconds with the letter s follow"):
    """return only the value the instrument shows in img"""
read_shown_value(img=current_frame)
12h31
